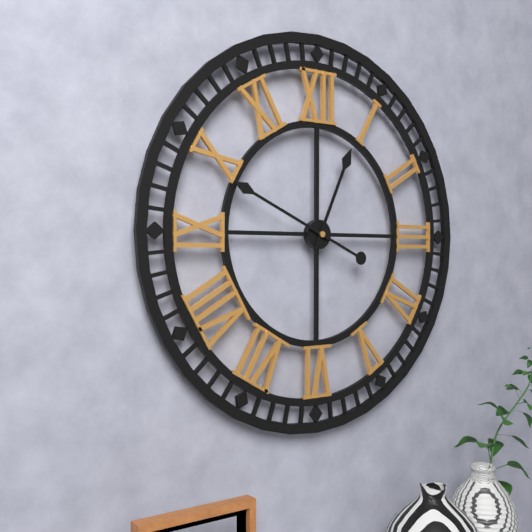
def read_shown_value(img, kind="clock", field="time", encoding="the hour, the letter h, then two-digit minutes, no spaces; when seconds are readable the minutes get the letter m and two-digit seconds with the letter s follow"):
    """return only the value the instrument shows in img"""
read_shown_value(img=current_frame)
12h49
